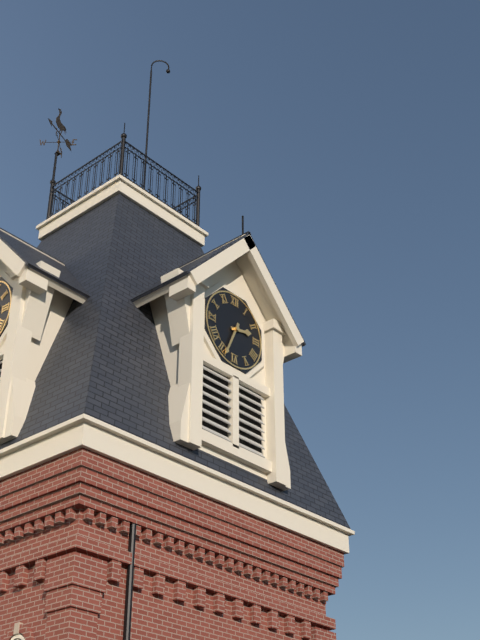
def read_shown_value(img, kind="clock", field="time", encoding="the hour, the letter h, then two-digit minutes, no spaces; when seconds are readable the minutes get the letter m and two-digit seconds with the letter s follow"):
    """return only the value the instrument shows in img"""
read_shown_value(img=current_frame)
2h34
